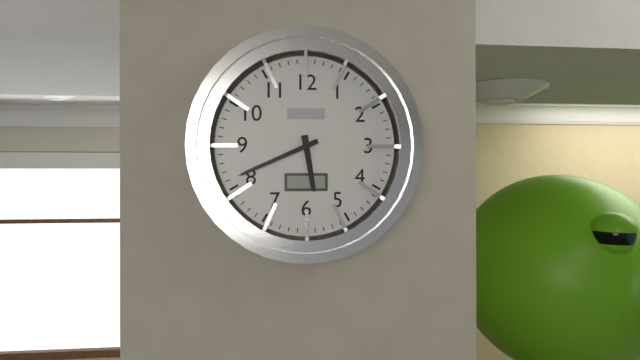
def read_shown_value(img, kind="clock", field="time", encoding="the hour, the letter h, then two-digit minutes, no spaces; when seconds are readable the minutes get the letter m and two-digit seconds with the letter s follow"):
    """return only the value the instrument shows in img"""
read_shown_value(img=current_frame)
5h41
